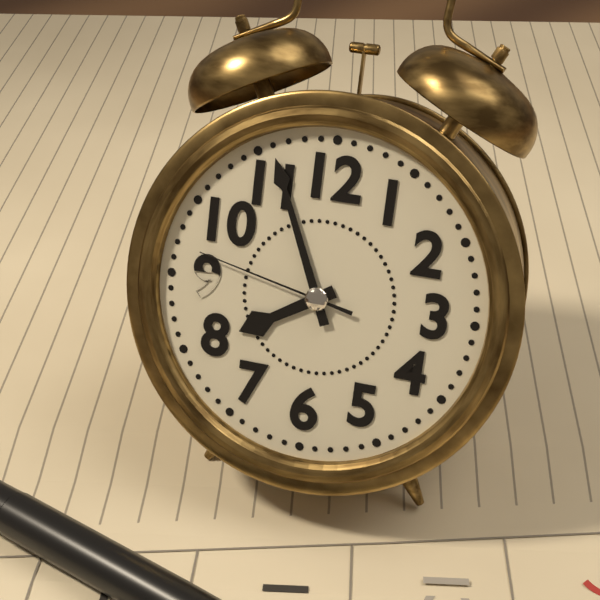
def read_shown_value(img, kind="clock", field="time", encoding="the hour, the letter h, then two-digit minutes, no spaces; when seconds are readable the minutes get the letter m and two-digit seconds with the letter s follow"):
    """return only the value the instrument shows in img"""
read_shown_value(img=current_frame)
7h56m47s
